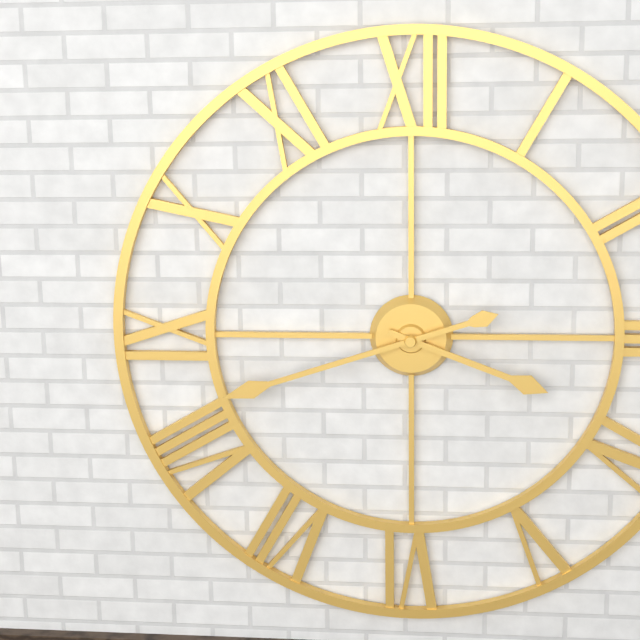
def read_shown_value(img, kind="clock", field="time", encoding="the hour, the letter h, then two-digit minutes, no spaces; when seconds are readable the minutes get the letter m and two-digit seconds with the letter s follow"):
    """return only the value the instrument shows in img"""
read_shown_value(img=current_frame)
3h42
